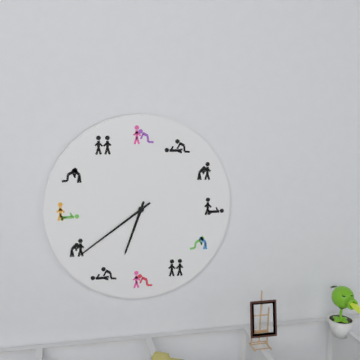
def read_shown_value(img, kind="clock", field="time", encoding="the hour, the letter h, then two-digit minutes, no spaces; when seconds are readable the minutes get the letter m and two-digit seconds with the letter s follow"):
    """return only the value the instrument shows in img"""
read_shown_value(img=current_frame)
6h39
